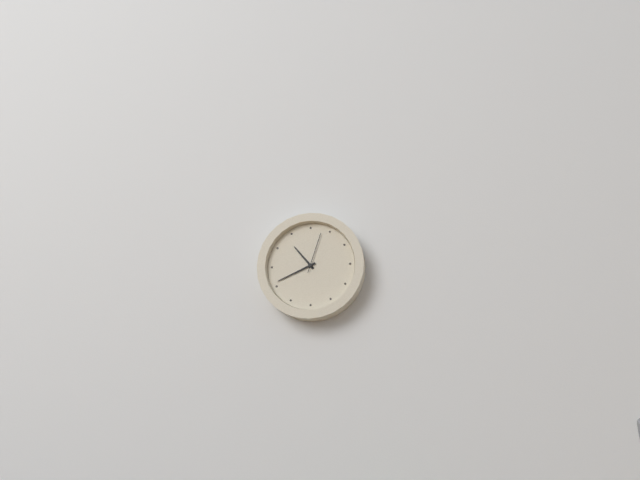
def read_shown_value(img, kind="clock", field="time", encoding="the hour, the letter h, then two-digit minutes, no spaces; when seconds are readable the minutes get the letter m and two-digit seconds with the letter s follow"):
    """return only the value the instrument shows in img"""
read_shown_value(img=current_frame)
10h41
